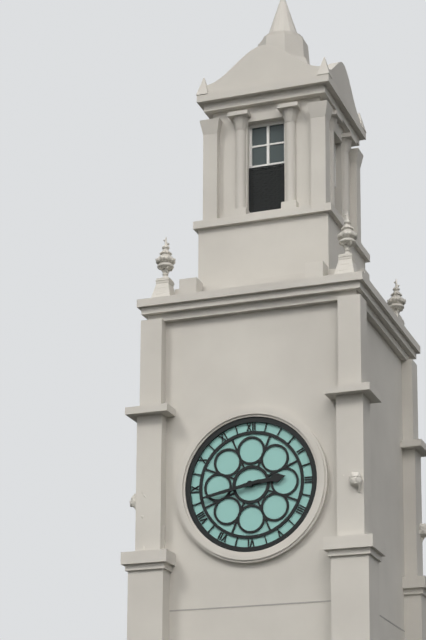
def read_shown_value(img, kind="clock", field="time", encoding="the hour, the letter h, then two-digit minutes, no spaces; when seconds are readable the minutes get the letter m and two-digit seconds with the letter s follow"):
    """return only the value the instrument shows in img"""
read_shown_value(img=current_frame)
2h43
